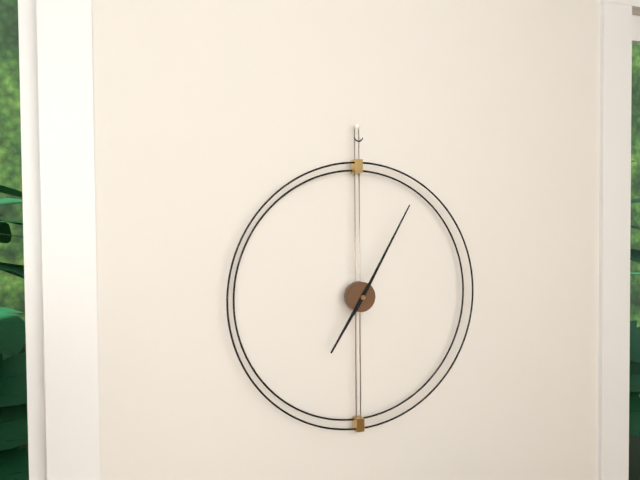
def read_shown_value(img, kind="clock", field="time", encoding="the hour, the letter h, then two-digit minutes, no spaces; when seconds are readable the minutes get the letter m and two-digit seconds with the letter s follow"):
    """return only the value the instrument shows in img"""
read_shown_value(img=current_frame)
7h05
